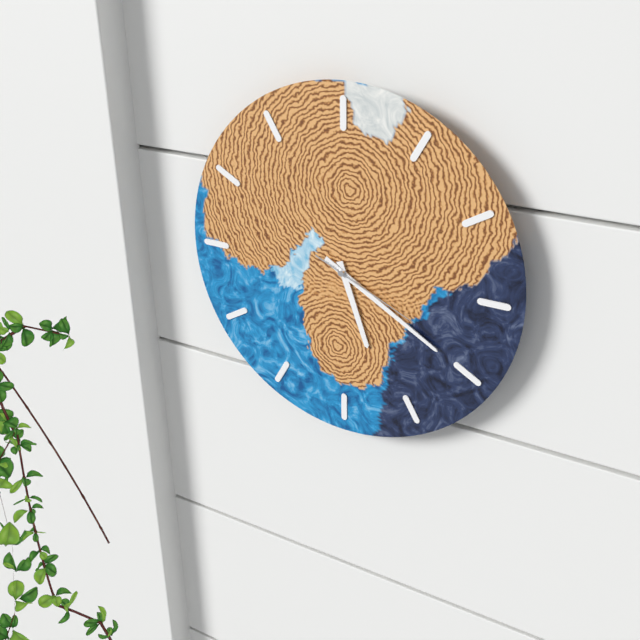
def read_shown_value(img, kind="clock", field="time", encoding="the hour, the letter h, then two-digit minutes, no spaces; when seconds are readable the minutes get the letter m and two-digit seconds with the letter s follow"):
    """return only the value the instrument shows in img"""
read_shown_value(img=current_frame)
5h20m19s
